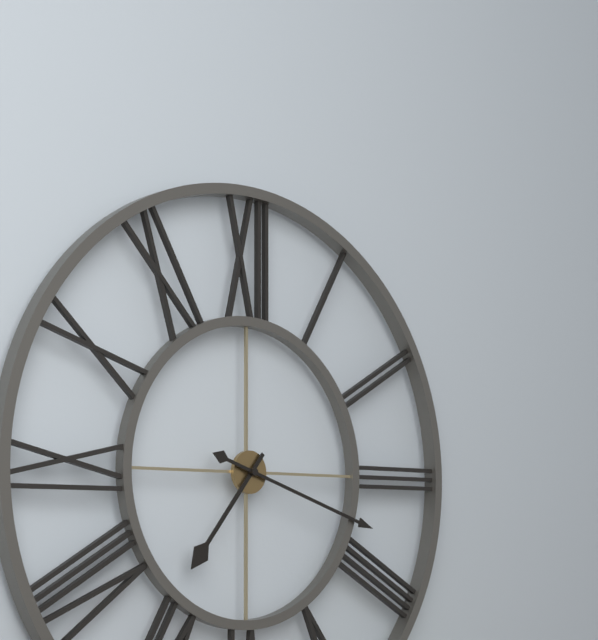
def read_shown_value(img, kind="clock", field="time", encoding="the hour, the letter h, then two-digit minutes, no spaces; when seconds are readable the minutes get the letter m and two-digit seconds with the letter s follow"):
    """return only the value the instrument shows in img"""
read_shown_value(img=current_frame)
7h18
